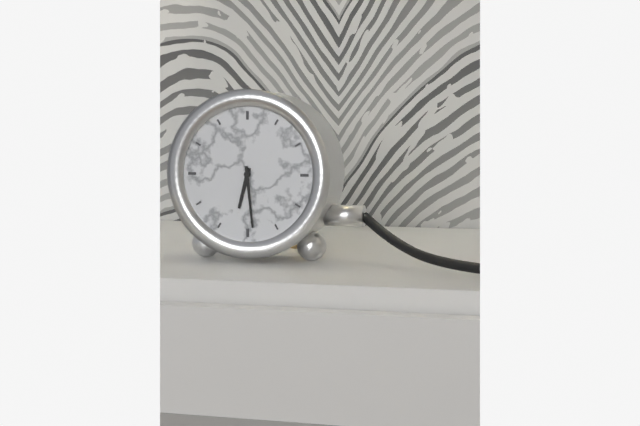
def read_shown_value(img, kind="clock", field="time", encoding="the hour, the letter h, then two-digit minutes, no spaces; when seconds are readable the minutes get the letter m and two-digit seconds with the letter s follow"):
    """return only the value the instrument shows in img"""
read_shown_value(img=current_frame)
6h29
